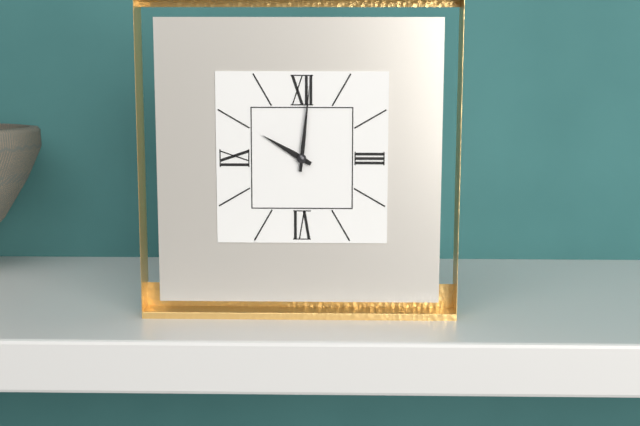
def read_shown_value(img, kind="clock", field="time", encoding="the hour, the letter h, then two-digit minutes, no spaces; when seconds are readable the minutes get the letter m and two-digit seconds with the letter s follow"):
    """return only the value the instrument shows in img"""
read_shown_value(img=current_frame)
10h01
